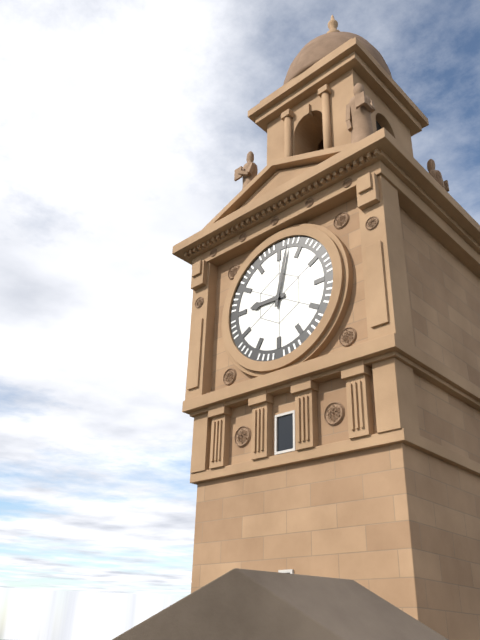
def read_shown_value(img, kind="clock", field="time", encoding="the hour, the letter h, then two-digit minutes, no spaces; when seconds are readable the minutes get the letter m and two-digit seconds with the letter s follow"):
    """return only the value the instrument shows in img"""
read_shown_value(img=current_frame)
9h02
